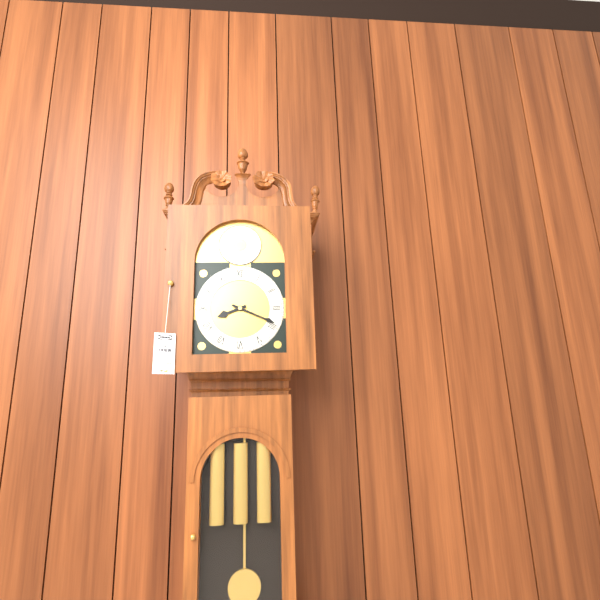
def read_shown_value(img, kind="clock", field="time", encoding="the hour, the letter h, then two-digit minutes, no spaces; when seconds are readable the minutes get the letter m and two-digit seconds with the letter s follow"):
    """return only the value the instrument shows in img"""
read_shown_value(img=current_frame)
8h19
